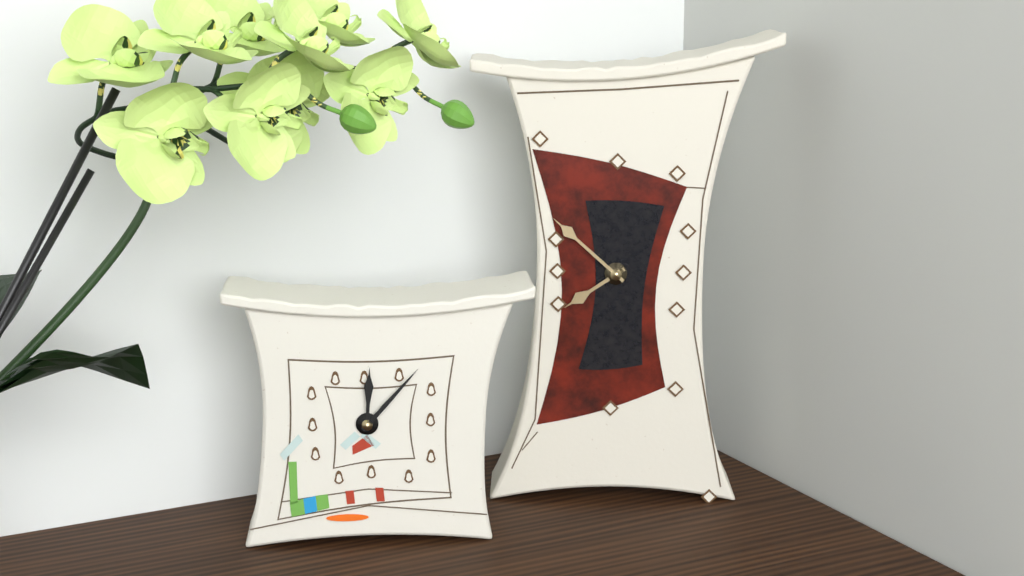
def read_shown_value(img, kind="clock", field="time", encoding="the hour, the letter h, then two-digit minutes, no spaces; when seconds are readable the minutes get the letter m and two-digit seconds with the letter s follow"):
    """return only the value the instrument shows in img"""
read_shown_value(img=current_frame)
7h52
